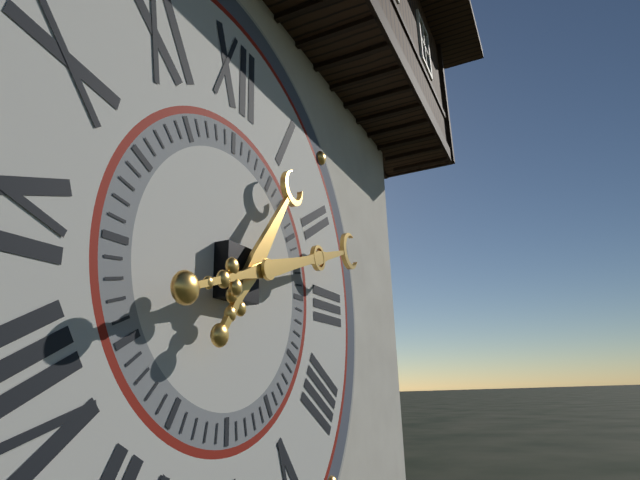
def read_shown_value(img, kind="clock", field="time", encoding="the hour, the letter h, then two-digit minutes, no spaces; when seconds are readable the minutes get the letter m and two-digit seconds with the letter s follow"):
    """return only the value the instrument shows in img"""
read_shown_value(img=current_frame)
1h12
